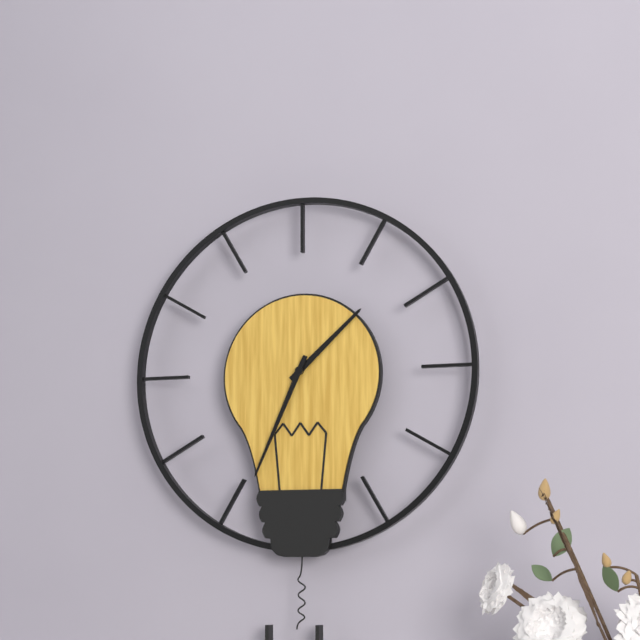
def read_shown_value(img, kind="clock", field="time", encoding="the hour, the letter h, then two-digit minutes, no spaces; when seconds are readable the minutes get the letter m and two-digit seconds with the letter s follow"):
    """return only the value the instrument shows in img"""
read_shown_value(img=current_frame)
1h34
